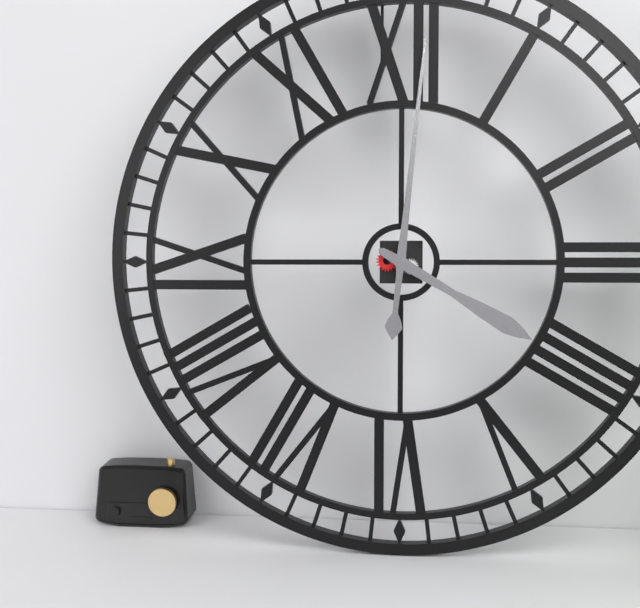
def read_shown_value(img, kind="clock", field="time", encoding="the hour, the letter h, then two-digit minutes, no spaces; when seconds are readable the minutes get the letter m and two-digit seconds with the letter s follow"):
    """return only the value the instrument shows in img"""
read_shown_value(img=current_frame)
4h01
